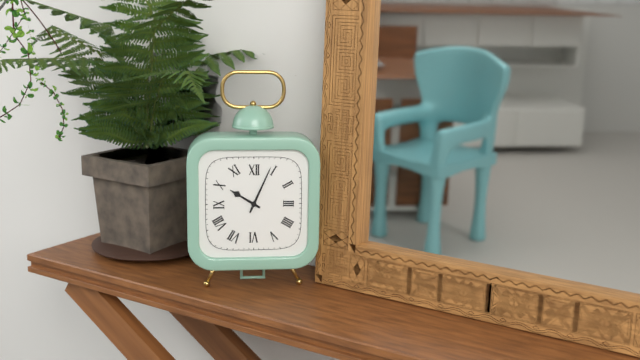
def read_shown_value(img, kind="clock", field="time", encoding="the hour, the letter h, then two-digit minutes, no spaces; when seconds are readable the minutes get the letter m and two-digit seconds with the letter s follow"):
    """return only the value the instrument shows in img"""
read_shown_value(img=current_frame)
10h04
